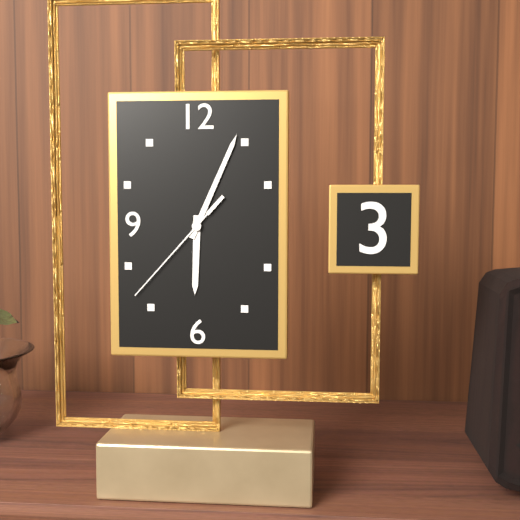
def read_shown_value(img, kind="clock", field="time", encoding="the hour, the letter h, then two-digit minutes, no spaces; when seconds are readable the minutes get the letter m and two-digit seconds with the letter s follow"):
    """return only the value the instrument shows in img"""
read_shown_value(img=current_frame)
6h04m37s
